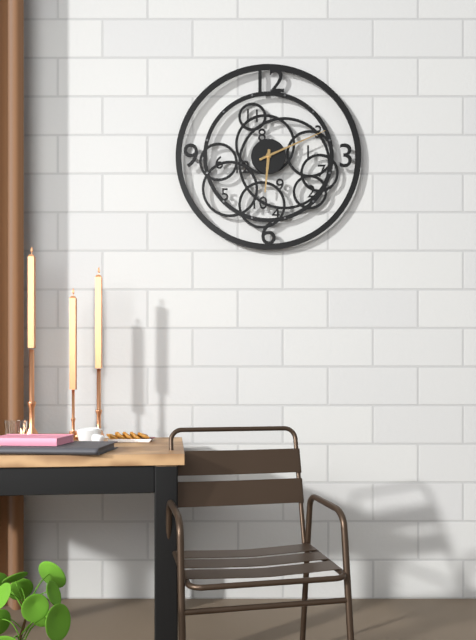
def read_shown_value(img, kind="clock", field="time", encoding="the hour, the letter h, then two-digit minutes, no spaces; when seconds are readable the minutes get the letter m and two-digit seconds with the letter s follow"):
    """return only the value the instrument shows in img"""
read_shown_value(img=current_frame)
6h11
